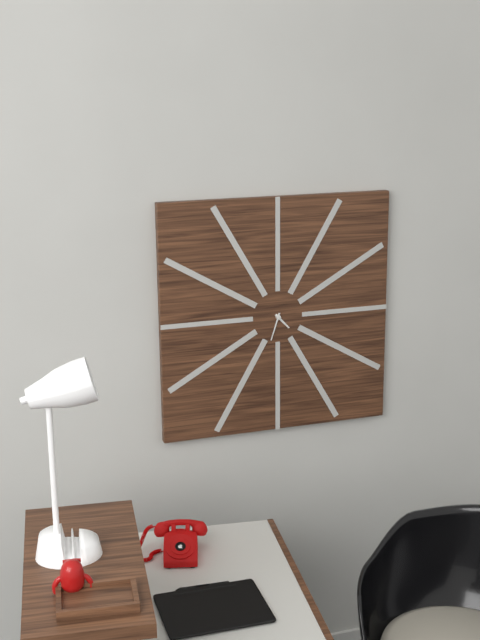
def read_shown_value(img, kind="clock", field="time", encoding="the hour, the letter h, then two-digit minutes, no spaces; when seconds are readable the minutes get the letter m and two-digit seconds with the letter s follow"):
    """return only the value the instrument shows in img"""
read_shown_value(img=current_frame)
4h33
